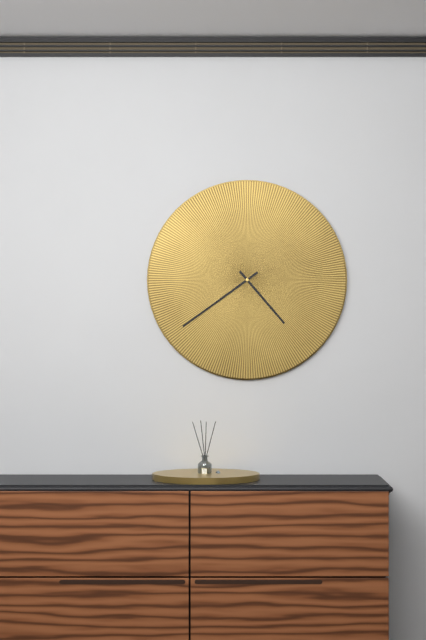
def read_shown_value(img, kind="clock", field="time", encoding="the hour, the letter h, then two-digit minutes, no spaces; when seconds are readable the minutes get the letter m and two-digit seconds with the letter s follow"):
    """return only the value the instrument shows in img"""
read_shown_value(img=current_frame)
4h39
